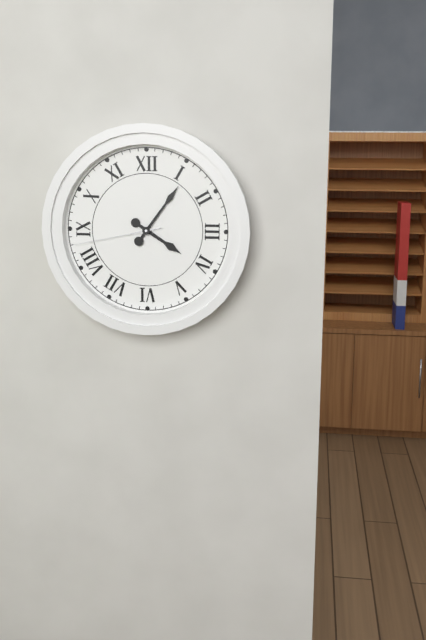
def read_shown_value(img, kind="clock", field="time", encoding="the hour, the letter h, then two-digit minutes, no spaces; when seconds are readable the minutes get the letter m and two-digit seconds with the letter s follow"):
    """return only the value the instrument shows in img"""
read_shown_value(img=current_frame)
4h06m43s
